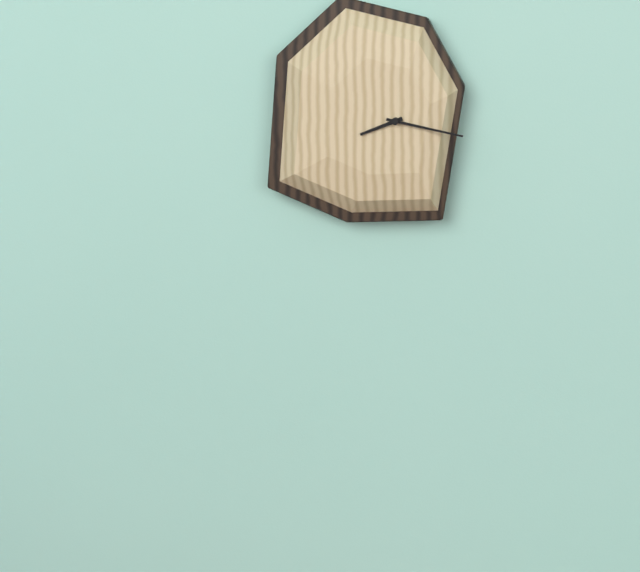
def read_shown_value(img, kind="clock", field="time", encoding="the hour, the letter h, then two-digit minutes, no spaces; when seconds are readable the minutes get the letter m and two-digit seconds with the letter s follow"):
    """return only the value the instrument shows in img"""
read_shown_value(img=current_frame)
8h17
